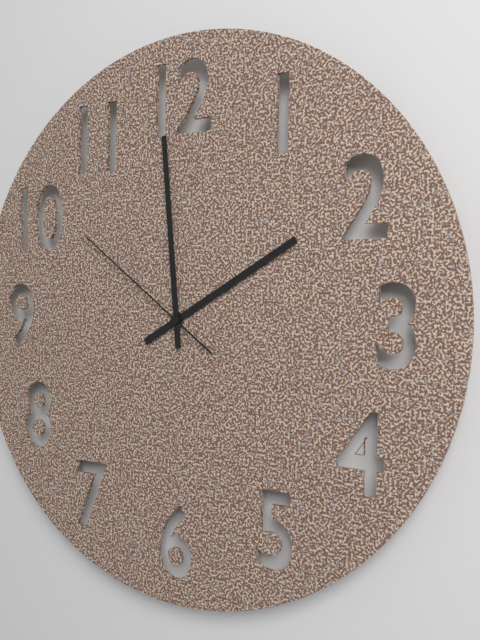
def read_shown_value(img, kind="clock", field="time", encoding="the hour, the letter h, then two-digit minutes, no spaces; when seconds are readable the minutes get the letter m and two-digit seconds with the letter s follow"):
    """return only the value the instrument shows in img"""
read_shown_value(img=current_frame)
1h59m51s
